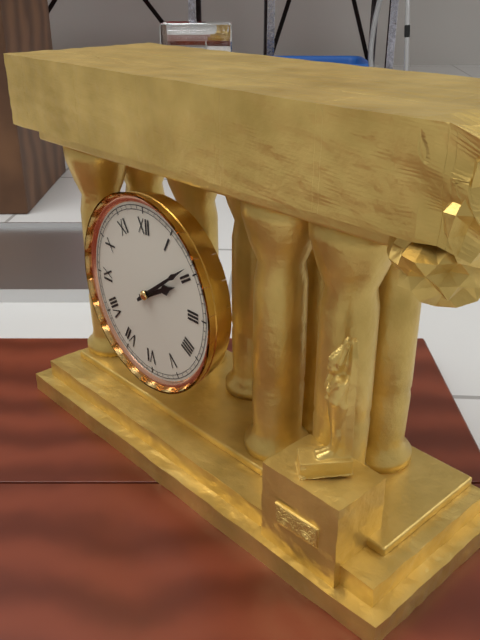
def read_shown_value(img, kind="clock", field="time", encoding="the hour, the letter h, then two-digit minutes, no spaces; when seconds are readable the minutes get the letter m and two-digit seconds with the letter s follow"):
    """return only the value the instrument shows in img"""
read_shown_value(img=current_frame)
2h09
